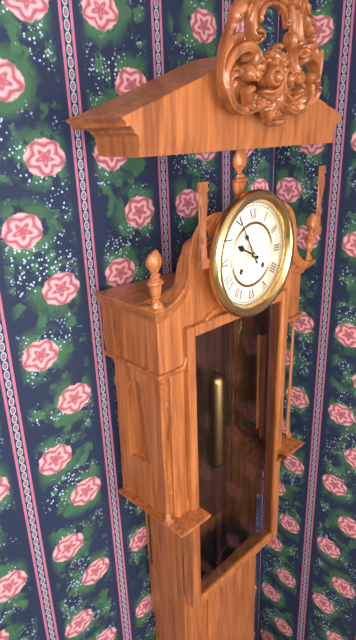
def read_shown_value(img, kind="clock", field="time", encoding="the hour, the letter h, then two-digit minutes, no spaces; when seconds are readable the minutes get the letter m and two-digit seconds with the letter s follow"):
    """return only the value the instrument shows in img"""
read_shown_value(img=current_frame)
9h55
